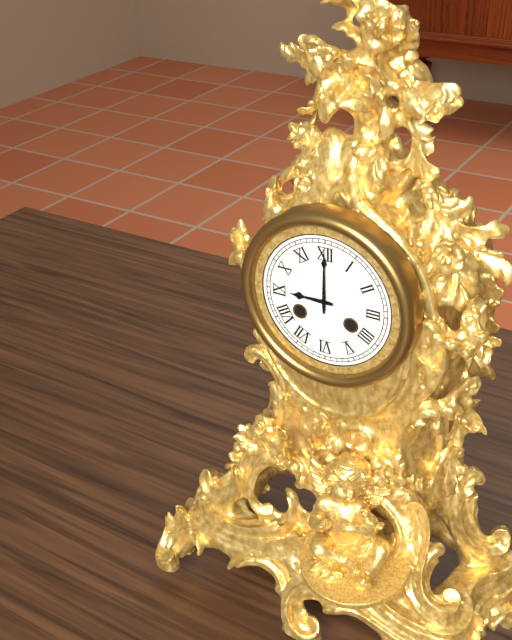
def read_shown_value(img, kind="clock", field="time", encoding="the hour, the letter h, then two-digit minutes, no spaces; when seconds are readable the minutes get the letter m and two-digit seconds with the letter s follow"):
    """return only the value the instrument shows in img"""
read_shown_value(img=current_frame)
9h00
